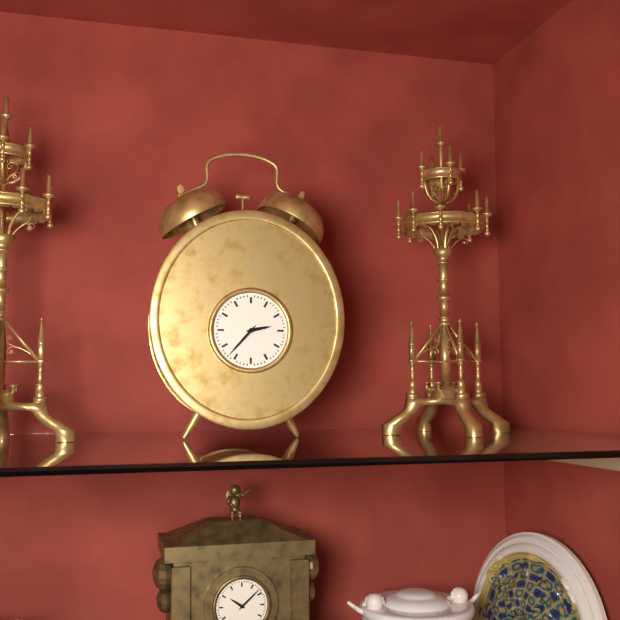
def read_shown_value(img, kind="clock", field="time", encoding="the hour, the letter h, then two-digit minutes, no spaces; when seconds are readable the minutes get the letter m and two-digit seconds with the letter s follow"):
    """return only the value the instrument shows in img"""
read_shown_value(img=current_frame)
2h37
